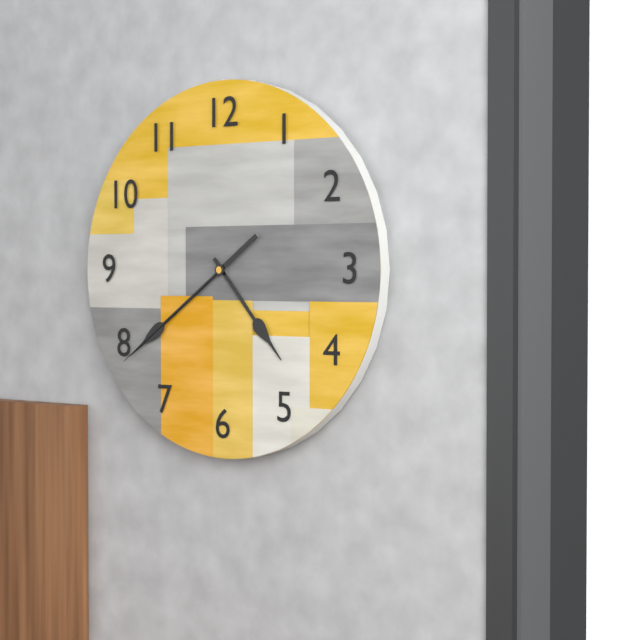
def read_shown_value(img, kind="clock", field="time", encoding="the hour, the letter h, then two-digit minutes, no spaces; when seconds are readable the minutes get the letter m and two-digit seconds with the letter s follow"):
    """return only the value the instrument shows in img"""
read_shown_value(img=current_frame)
4h39m39s
